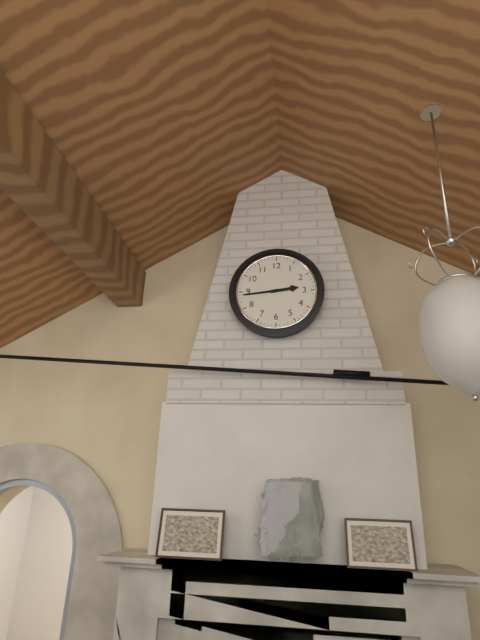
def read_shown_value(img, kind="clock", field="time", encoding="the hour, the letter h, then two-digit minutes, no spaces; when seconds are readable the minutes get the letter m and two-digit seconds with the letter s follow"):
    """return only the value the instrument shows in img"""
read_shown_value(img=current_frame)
2h44
